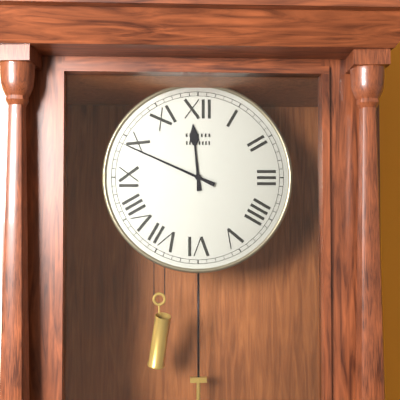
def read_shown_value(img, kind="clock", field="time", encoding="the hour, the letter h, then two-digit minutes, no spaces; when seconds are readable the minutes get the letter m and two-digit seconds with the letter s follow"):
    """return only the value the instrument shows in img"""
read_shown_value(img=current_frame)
11h49
